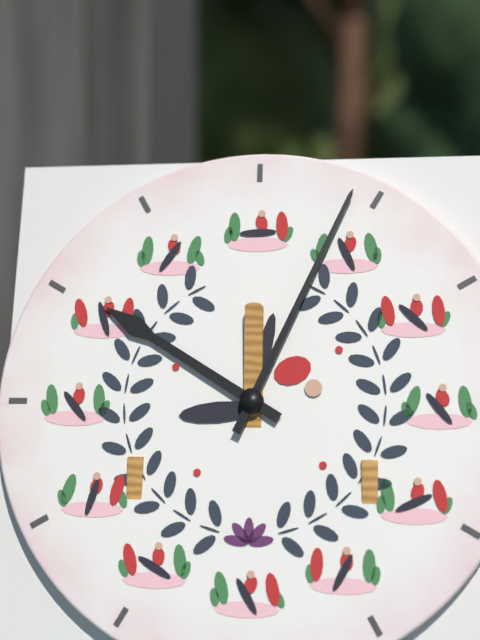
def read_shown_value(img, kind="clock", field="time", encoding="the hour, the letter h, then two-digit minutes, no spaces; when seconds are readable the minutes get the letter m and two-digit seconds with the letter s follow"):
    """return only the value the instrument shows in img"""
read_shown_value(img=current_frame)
10h04
